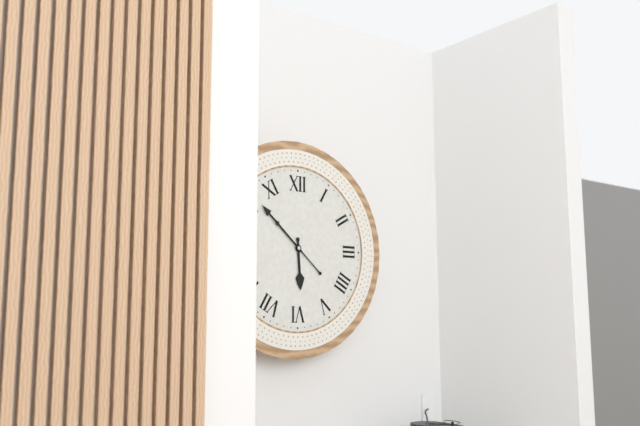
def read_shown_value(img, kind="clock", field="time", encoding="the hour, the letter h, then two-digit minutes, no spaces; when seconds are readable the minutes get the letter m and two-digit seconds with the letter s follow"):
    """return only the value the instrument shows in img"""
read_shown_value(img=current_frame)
5h52
